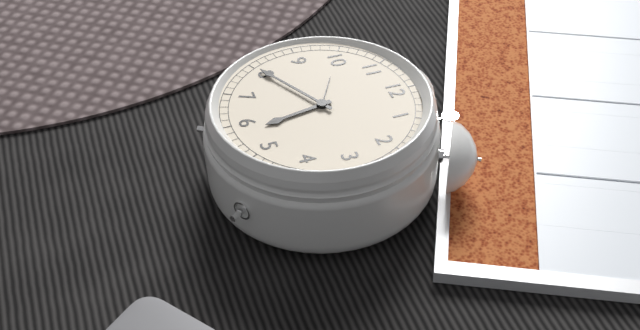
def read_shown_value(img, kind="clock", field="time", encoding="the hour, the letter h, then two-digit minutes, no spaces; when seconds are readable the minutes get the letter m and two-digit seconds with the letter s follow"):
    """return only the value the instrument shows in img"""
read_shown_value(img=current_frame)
5h40
